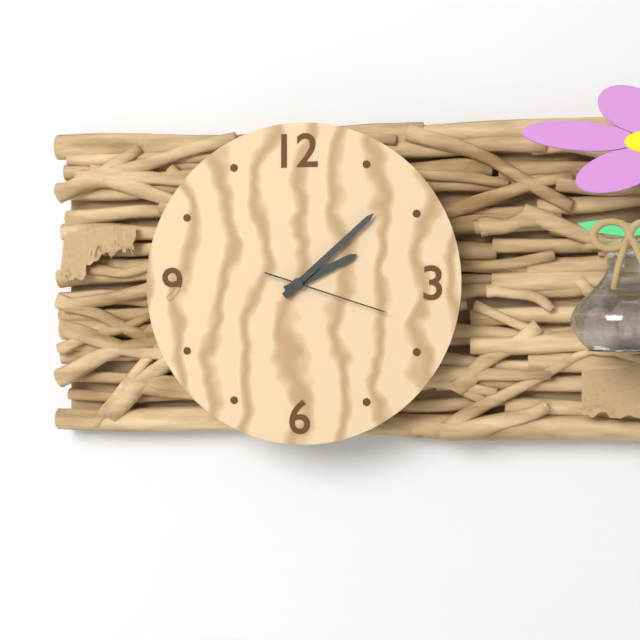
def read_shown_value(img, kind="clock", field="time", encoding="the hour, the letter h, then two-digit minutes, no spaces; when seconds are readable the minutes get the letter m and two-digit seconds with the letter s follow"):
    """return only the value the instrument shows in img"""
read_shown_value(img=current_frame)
2h08m18s
